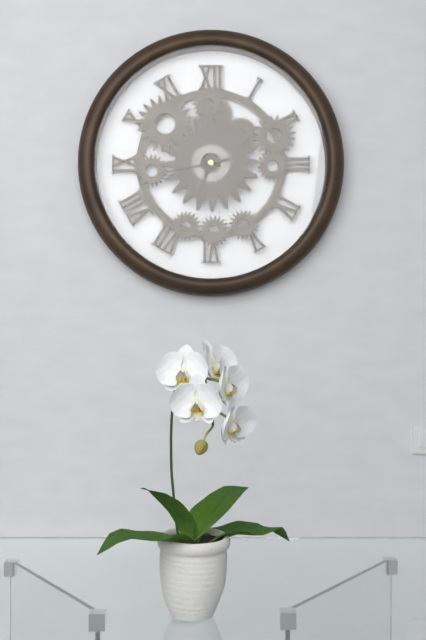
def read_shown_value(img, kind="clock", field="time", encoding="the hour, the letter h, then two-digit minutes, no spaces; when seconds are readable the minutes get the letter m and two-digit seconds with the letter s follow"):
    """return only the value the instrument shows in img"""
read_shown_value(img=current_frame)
6h43
